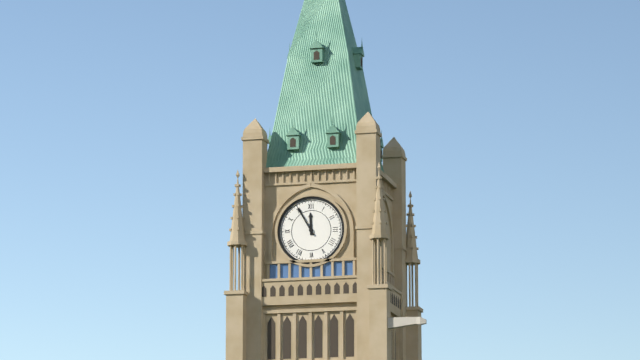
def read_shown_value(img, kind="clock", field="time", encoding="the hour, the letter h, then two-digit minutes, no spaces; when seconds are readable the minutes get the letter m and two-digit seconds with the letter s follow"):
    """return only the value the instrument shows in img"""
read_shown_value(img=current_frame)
11h55
